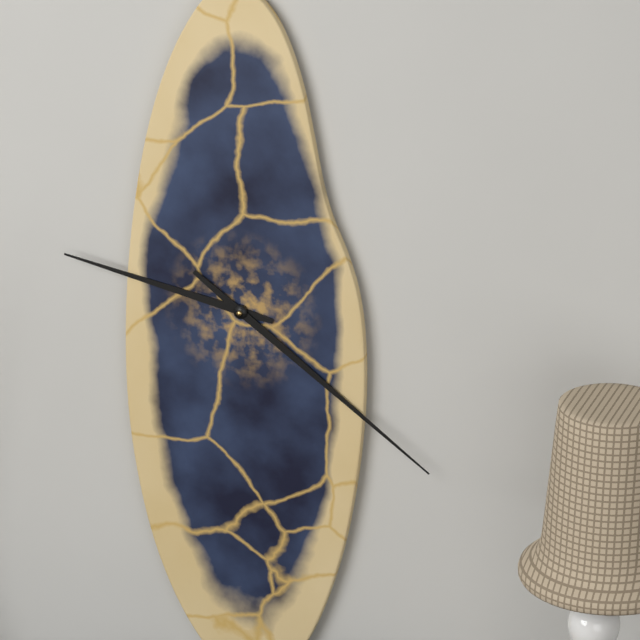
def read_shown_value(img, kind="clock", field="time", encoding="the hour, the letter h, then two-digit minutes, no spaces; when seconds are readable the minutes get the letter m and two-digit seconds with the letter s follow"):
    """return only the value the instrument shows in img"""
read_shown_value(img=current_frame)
9h21
